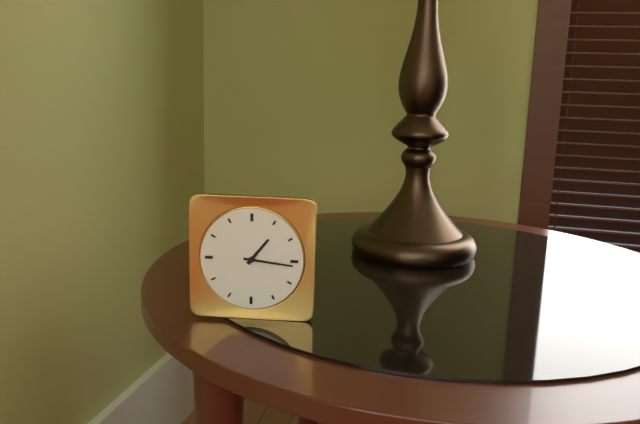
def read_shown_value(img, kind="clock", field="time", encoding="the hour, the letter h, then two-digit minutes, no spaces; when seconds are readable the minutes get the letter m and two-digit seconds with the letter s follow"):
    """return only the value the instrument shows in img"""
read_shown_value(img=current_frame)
1h16
